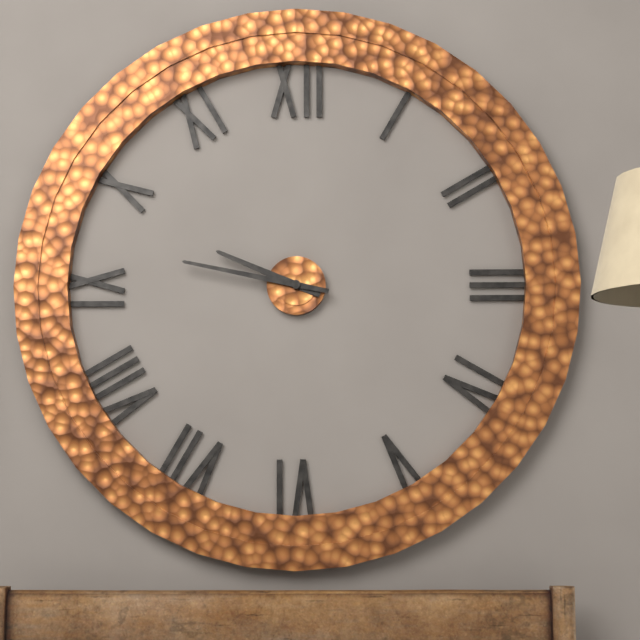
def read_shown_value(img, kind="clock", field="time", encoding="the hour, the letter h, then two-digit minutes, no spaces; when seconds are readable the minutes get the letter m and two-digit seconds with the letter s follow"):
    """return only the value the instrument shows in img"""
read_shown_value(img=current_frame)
9h47
